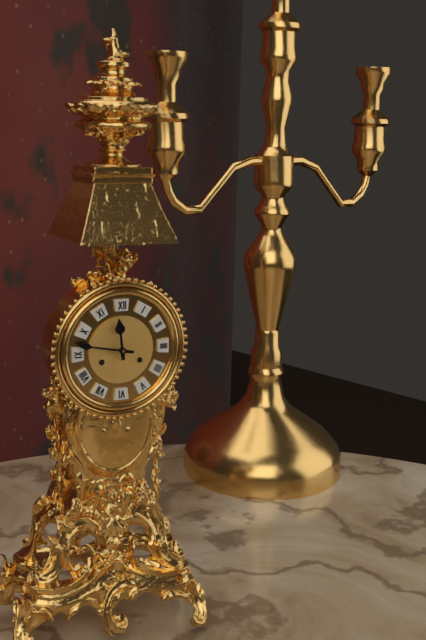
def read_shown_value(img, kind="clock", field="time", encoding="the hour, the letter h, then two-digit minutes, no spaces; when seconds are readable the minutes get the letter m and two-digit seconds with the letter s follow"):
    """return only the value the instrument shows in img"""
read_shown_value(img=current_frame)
11h47
